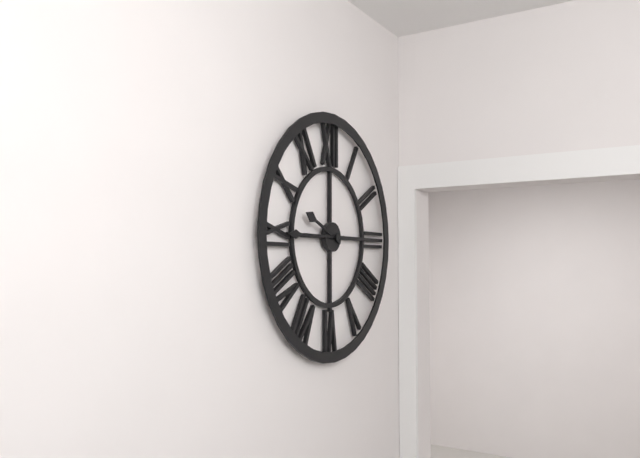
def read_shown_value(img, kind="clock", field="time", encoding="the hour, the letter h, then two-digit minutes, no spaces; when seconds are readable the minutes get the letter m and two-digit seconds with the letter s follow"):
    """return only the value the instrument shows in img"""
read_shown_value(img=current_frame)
9h45
